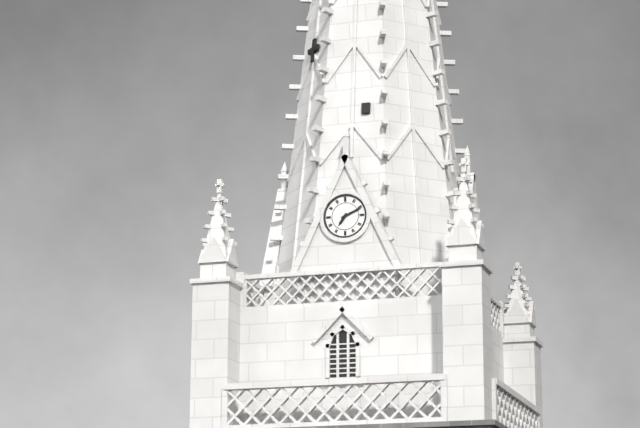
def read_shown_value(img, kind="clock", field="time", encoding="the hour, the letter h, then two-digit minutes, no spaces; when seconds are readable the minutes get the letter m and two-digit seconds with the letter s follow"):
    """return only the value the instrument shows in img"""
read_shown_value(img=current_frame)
7h11
